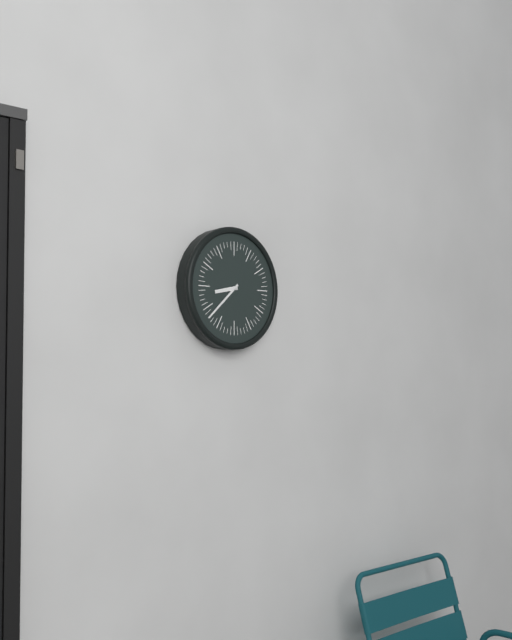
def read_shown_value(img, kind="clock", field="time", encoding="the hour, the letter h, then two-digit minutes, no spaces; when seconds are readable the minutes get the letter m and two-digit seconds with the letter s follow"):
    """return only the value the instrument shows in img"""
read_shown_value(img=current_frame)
8h38
